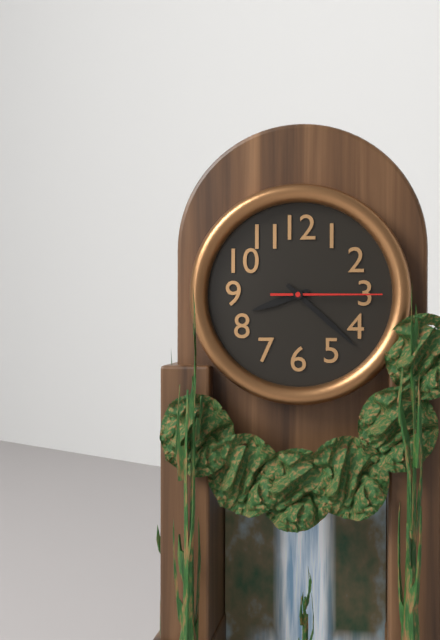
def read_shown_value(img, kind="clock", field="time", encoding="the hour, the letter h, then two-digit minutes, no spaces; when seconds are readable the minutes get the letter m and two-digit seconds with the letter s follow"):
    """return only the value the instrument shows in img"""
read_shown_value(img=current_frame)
8h22m15s
